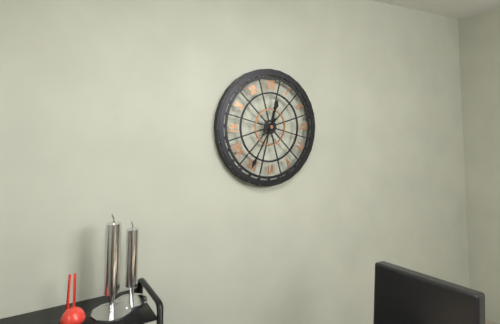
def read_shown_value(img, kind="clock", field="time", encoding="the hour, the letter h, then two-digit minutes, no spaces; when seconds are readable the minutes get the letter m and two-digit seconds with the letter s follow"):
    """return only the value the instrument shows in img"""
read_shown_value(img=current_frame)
12h35
